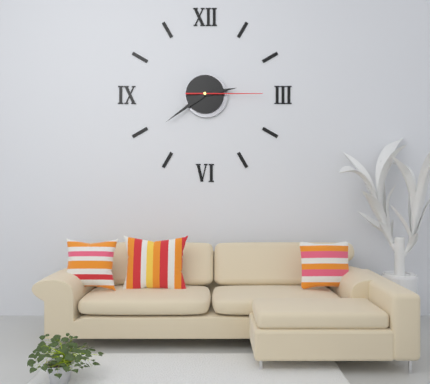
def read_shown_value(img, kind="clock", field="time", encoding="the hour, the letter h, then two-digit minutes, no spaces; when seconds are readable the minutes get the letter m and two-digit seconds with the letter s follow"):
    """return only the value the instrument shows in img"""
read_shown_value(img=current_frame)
2h39m15s
